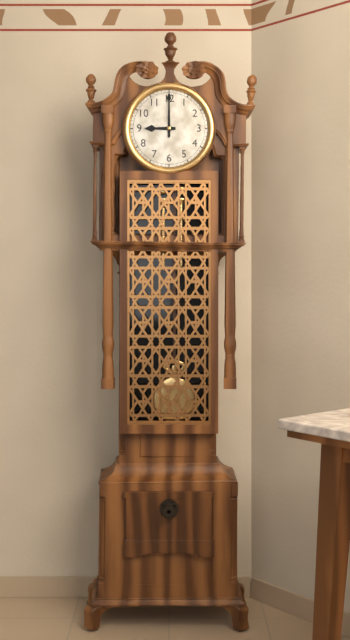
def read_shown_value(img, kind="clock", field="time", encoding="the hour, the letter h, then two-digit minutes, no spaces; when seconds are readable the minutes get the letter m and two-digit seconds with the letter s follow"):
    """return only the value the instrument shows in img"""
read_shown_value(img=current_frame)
9h00
